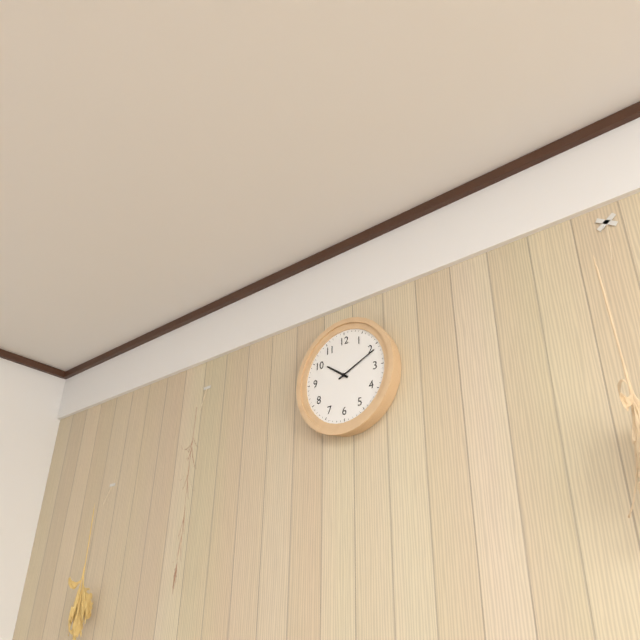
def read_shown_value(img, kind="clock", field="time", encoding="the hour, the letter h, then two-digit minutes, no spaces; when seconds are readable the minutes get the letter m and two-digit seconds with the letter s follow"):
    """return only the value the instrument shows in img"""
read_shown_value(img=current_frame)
10h11
